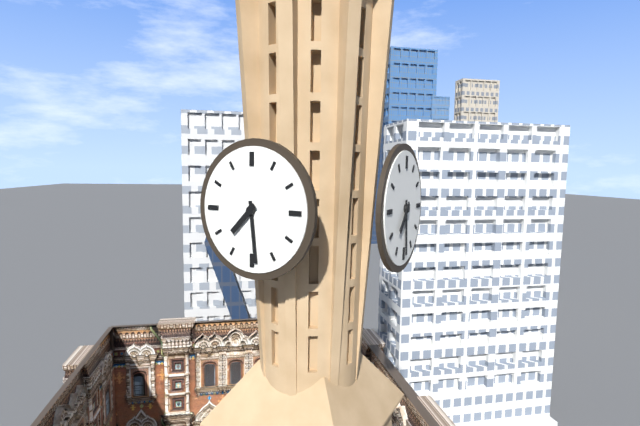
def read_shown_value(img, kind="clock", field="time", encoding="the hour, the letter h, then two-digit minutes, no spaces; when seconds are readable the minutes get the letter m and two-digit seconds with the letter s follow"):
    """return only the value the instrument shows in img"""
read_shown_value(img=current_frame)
7h29
